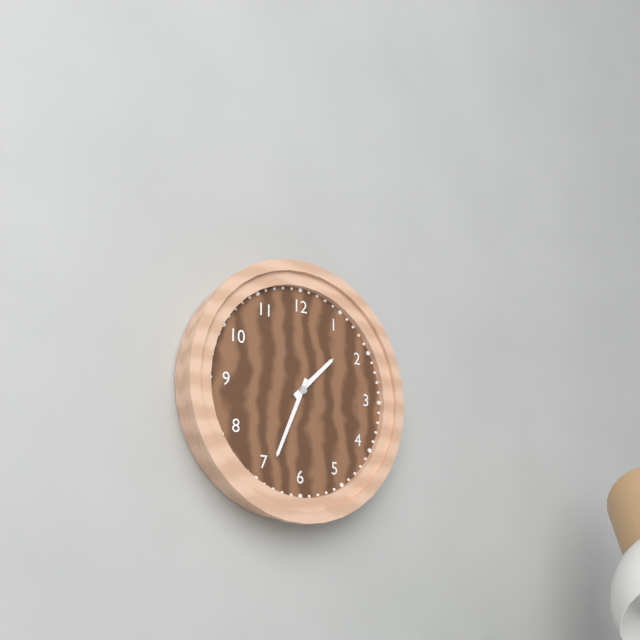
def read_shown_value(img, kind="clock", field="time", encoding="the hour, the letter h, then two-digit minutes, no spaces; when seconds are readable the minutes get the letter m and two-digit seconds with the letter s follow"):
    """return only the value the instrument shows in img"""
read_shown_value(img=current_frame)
1h34
